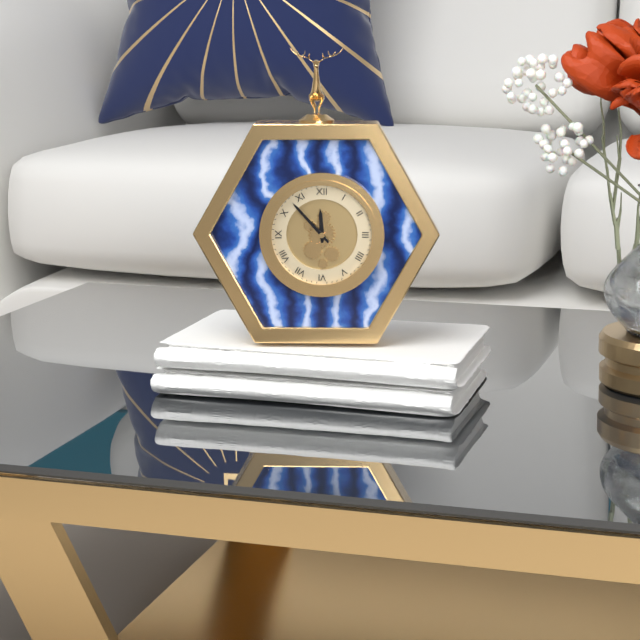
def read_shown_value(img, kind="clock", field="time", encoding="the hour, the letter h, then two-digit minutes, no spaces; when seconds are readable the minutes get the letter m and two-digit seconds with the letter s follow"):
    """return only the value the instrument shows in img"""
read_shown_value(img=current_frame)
11h53
